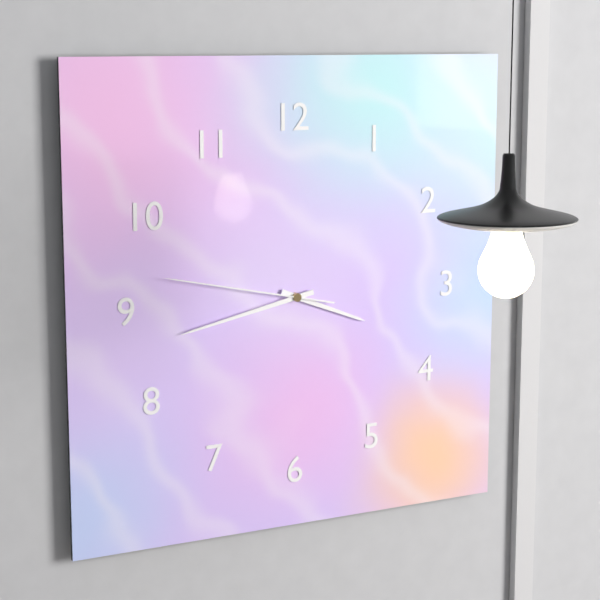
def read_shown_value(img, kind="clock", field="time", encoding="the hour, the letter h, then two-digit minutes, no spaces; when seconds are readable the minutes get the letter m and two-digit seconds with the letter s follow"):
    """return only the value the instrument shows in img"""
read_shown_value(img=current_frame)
3h43m47s
